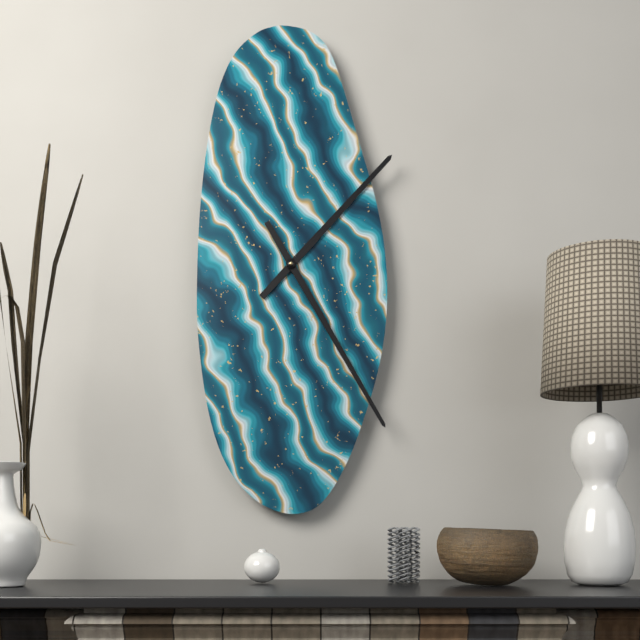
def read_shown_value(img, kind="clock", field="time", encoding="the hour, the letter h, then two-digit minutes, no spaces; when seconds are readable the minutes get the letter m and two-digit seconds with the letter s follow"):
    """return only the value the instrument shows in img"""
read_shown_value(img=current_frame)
1h25
